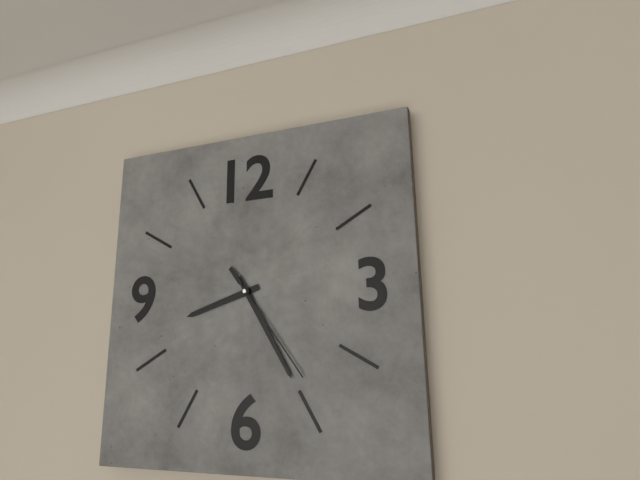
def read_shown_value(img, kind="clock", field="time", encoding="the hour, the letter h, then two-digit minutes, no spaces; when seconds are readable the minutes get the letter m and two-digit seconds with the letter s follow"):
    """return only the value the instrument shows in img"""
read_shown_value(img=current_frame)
8h25m24s
